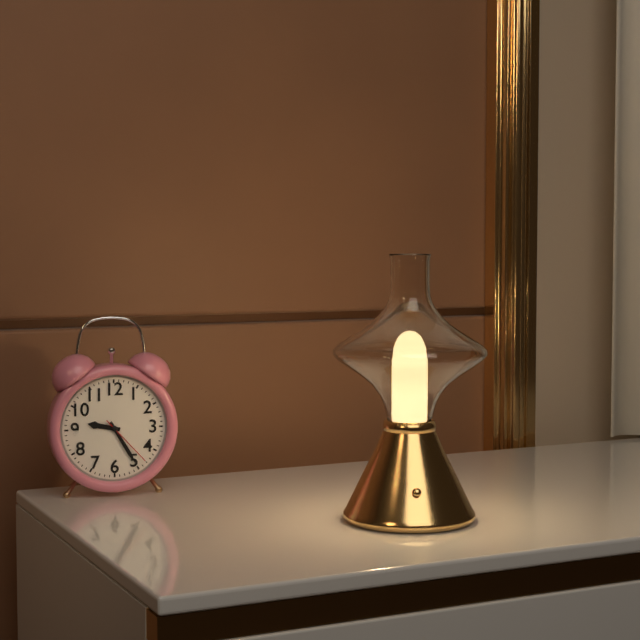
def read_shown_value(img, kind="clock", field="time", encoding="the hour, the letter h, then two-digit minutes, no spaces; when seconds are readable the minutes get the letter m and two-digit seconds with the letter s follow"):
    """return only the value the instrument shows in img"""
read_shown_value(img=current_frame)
9h25m23s
